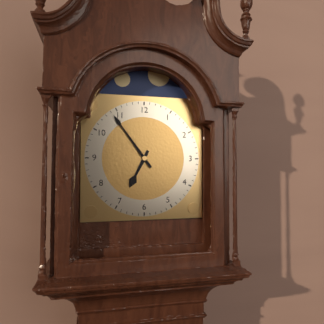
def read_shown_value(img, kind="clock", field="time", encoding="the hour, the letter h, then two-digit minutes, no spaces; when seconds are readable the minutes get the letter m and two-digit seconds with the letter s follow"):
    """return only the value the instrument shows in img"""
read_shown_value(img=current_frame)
6h54
